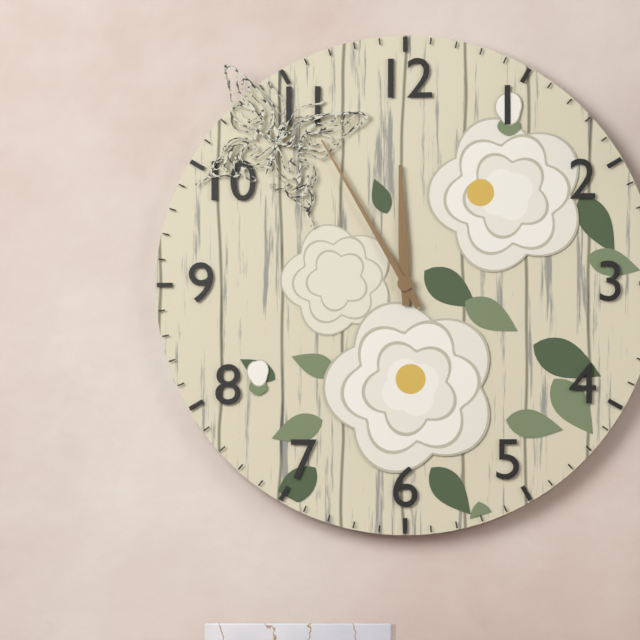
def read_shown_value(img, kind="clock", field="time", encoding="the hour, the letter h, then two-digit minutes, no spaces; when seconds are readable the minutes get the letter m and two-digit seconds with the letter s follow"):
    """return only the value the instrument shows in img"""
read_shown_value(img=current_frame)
11h55
